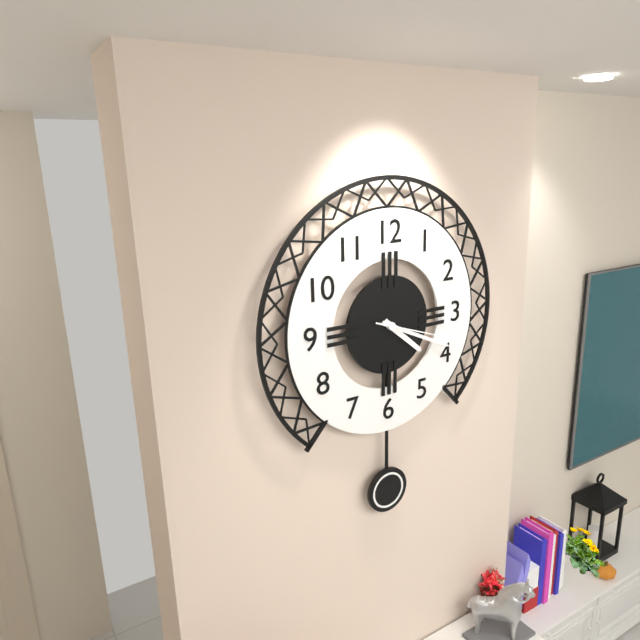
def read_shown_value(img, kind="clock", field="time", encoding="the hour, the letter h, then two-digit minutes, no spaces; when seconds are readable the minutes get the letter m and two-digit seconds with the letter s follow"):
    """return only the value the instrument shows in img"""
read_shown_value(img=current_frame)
4h19m18s
